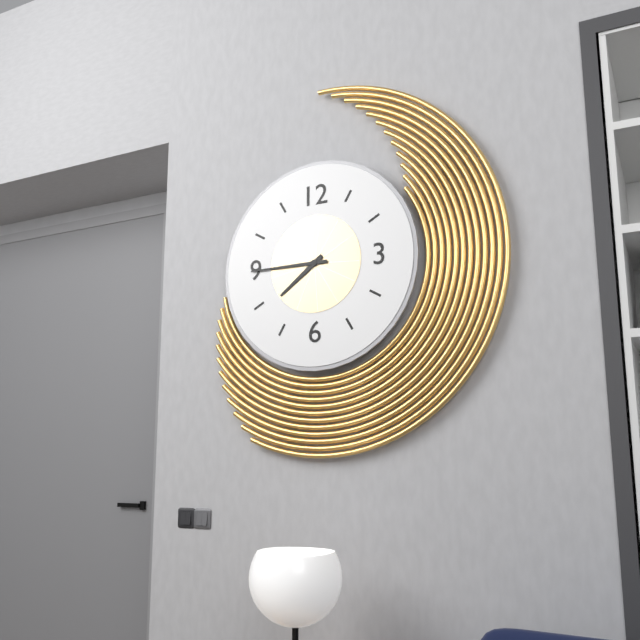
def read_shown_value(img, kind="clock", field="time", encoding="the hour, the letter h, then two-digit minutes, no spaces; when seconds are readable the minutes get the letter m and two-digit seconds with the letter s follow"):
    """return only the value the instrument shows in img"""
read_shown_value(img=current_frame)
7h45
